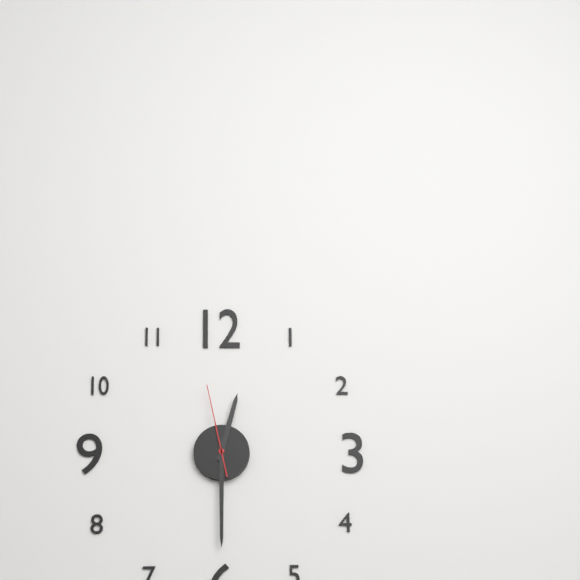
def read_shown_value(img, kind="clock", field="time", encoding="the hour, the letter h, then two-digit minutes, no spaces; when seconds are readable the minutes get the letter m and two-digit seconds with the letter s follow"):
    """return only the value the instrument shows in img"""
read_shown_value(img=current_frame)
12h30m58s
